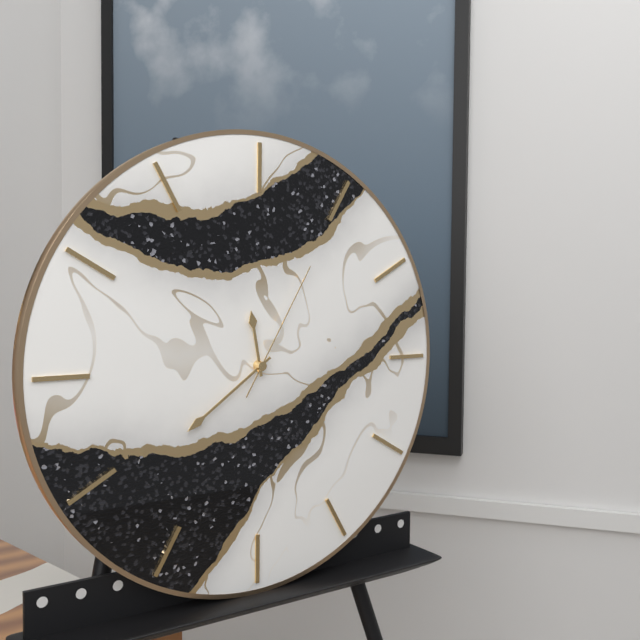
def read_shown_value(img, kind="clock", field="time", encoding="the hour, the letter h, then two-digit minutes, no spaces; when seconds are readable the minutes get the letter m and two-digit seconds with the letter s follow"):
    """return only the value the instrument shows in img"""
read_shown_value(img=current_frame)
11h39m05s
